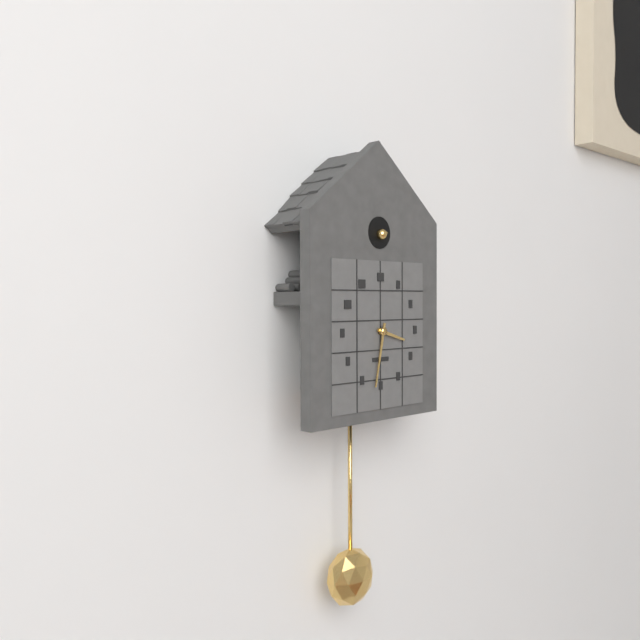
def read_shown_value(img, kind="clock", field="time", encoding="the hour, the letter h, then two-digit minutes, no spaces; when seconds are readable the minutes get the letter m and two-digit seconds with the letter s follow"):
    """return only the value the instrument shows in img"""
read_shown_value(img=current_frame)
3h32
